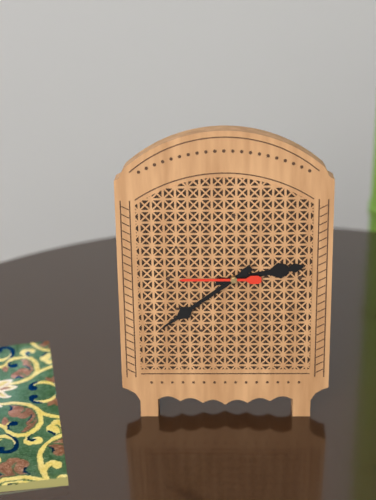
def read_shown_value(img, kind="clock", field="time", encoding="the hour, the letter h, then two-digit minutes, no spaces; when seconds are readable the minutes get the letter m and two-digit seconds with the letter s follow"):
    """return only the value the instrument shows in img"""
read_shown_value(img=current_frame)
2h39m45s
